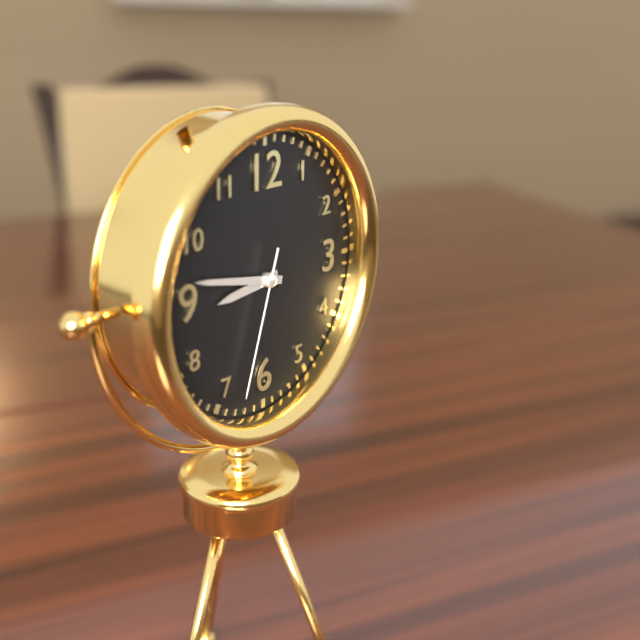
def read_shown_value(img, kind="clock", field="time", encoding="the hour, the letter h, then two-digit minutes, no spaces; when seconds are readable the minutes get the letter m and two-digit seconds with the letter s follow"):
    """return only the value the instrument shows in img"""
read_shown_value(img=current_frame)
8h47m33s
